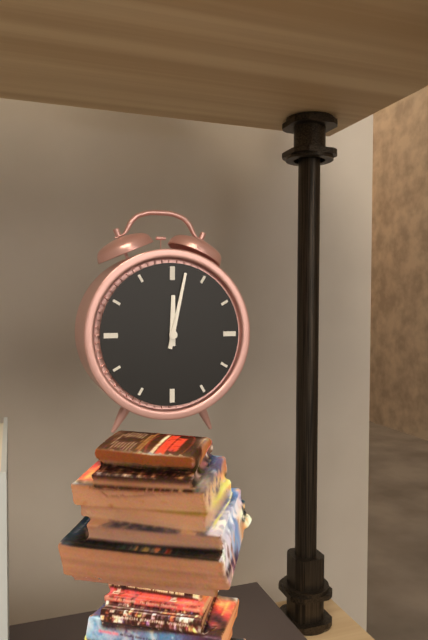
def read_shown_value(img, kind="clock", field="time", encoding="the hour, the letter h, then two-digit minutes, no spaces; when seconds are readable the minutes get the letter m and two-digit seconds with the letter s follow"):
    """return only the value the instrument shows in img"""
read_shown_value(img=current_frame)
12h02
